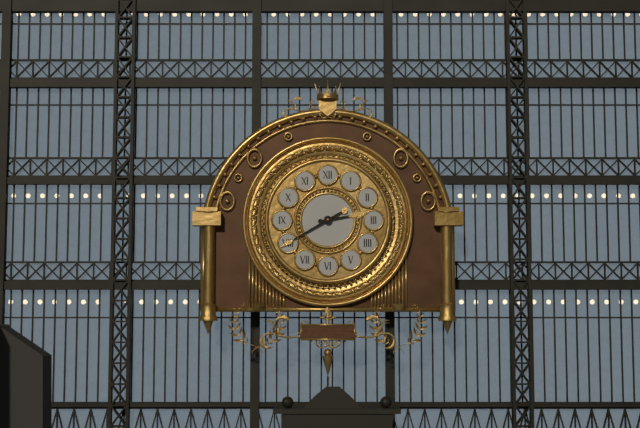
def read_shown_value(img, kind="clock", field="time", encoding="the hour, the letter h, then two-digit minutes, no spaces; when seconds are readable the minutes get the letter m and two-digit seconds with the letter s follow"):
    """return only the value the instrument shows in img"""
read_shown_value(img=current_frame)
2h40
